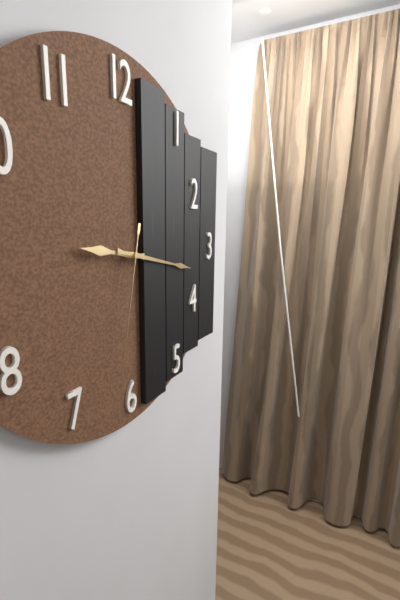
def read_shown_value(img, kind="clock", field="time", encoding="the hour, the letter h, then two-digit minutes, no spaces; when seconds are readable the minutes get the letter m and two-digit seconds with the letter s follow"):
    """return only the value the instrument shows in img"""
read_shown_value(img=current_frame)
9h17m32s
